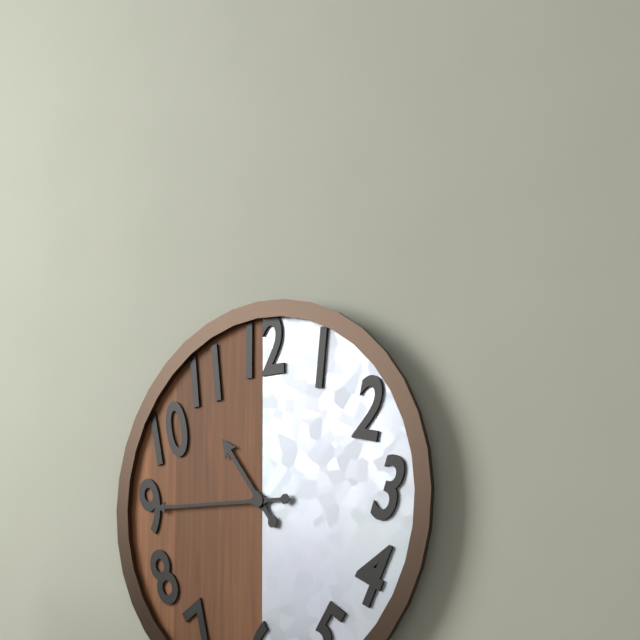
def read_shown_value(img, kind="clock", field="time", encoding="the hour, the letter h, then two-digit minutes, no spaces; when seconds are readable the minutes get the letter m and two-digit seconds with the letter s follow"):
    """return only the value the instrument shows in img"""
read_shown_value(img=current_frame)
10h45
